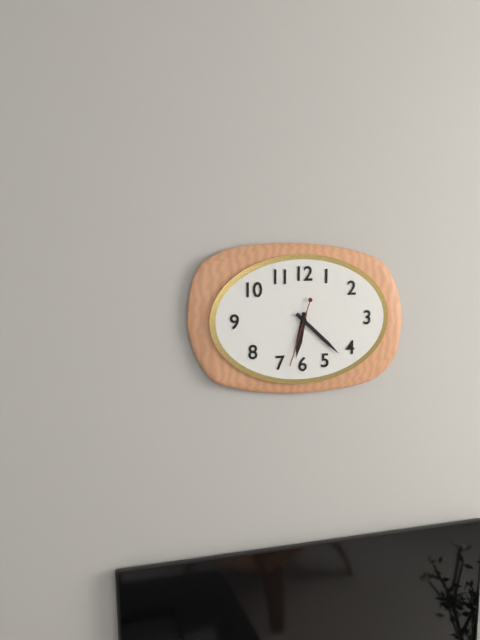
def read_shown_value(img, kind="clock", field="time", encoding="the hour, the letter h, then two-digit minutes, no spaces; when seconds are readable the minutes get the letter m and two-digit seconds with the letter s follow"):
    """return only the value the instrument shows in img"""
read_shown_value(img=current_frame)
6h22m33s
